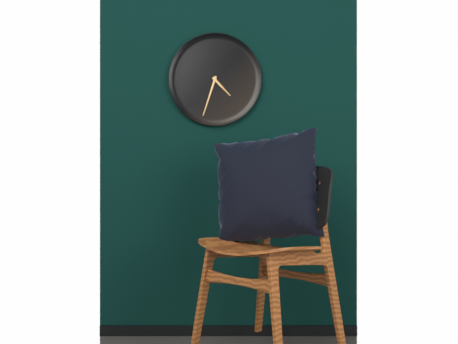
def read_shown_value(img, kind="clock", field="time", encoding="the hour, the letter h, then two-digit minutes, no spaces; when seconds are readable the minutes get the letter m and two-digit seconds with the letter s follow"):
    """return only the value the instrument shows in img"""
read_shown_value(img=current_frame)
4h33
